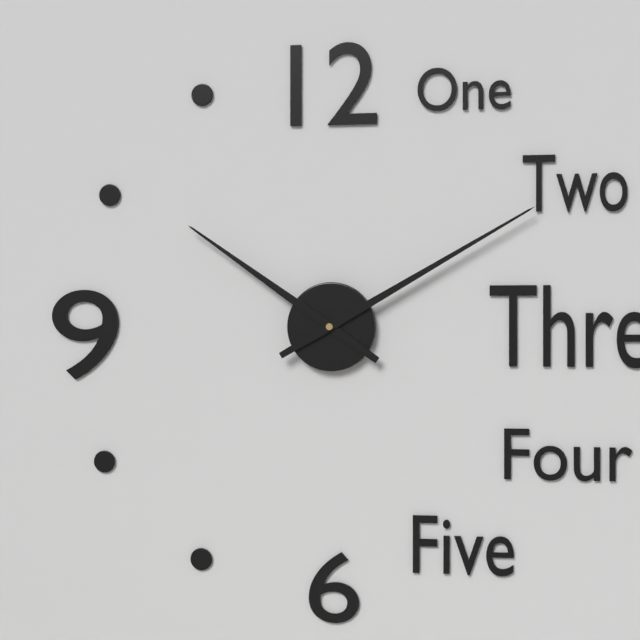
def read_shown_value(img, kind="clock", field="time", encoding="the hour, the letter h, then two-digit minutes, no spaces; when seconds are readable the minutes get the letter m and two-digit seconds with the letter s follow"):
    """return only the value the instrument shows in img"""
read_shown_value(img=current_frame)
10h10
